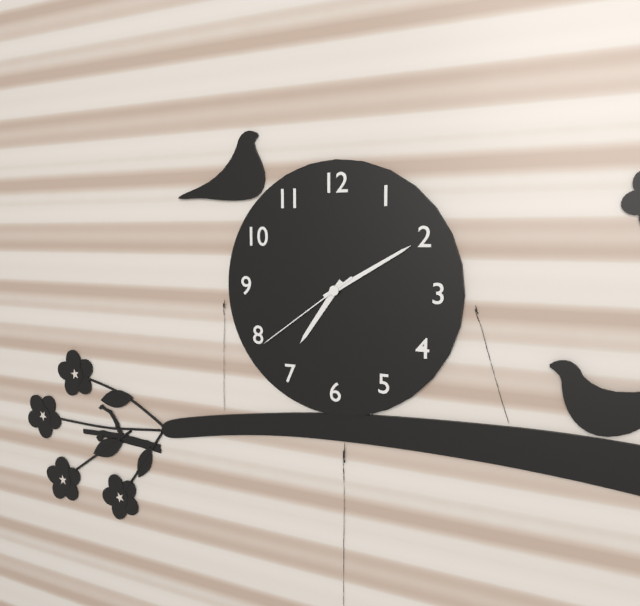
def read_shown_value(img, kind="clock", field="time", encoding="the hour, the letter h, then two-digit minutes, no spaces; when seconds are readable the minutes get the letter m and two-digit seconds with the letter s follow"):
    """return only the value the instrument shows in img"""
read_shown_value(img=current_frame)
7h10m39s
